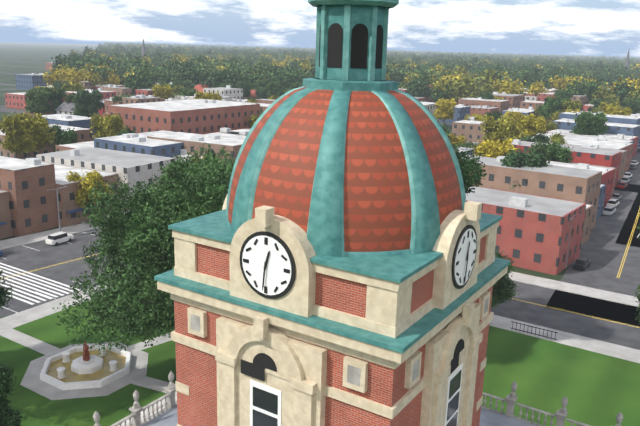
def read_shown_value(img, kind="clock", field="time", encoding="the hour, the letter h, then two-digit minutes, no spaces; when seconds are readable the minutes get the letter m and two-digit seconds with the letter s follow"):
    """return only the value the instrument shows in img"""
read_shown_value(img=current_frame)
12h31
